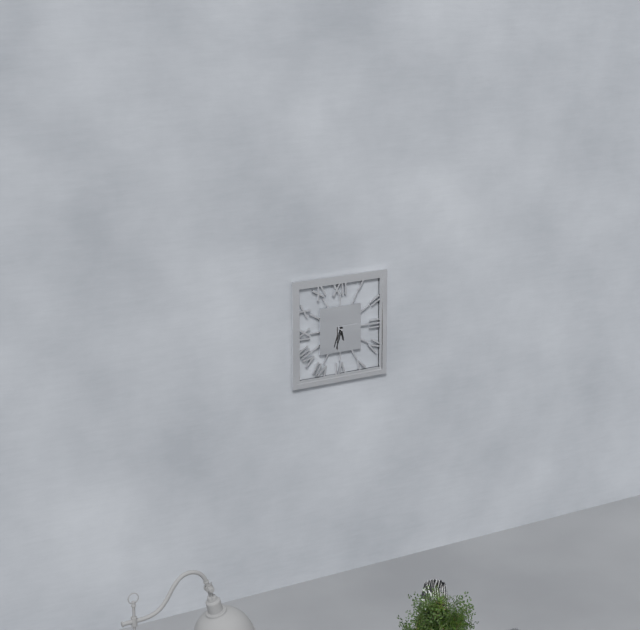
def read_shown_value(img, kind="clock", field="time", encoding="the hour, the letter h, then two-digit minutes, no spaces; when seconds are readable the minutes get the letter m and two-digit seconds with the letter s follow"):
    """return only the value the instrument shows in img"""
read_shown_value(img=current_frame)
5h33
